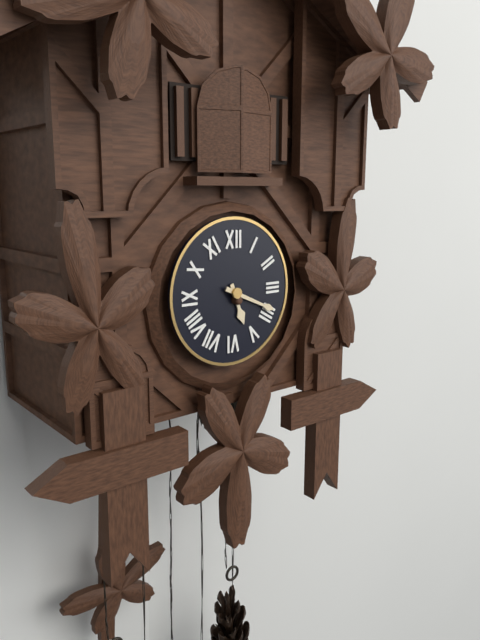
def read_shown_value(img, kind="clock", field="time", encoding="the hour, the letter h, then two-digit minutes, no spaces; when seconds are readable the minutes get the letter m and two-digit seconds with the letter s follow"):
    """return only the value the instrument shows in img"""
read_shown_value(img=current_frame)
5h19
